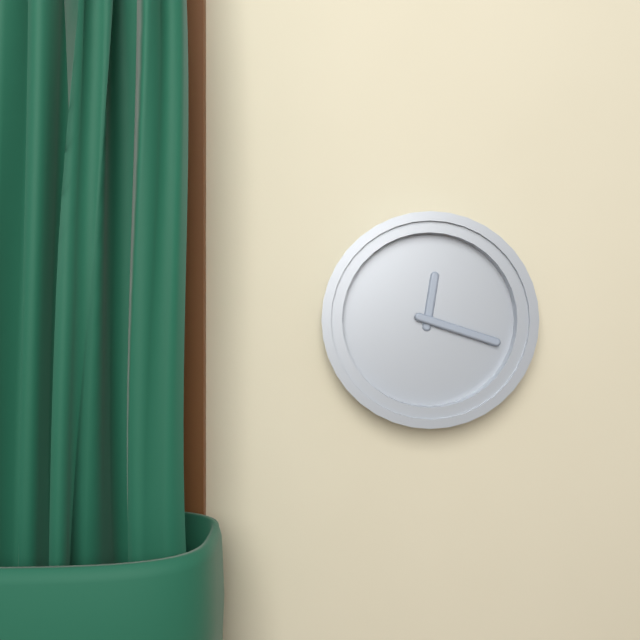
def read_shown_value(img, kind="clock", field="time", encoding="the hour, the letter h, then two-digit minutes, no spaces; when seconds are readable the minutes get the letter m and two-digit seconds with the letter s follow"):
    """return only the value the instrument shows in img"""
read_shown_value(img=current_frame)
12h18
